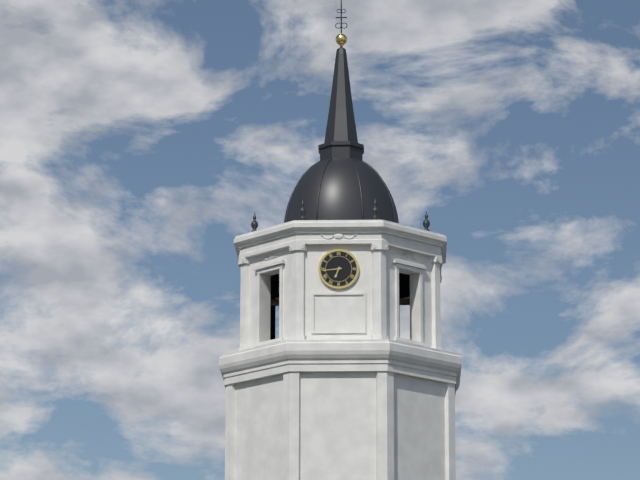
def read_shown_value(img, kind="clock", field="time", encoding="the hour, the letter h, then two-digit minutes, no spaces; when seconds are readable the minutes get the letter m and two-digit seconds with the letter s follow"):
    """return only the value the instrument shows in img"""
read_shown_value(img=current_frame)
6h44
